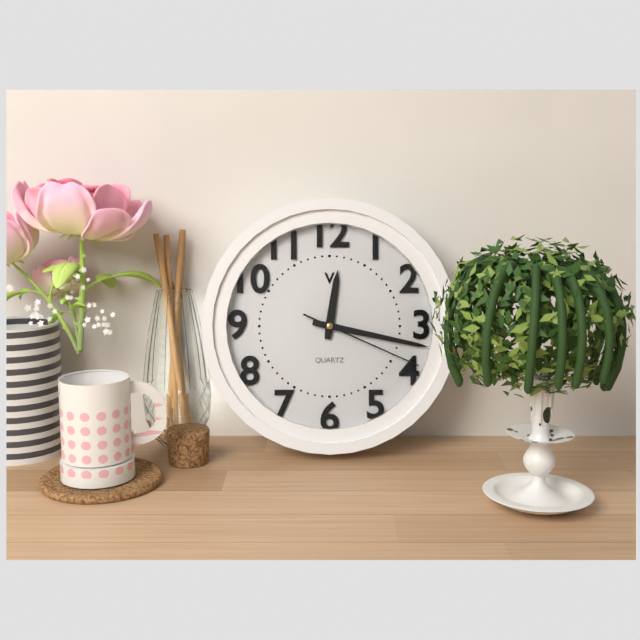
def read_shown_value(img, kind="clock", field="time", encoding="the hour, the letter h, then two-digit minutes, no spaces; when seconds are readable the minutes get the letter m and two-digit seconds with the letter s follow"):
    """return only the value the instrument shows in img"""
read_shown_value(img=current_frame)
12h17m19s
